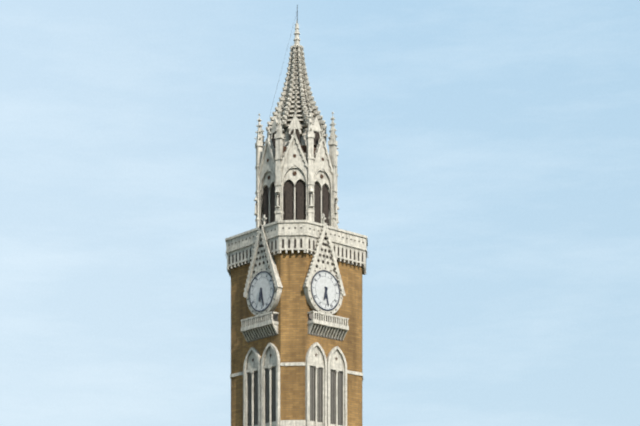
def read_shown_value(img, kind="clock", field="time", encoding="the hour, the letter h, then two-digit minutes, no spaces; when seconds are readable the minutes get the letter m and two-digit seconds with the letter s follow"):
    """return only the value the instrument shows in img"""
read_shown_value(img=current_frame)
6h28
